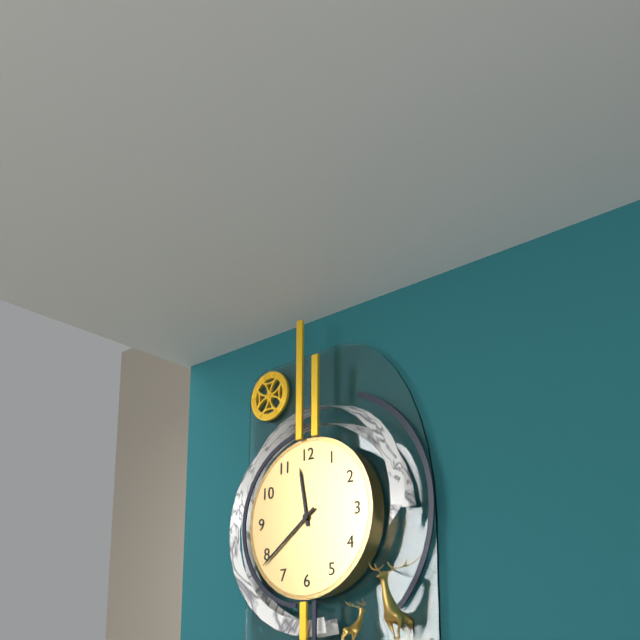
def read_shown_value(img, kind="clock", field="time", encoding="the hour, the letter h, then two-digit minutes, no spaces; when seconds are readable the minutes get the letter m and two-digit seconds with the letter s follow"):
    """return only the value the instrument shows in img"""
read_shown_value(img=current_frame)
11h39
